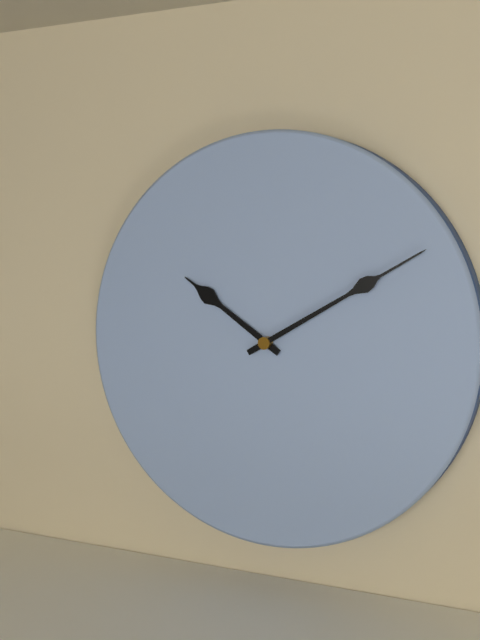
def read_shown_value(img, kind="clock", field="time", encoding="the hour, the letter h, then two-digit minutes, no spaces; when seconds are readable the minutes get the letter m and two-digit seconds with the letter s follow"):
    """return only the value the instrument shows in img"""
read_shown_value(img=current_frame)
10h10
